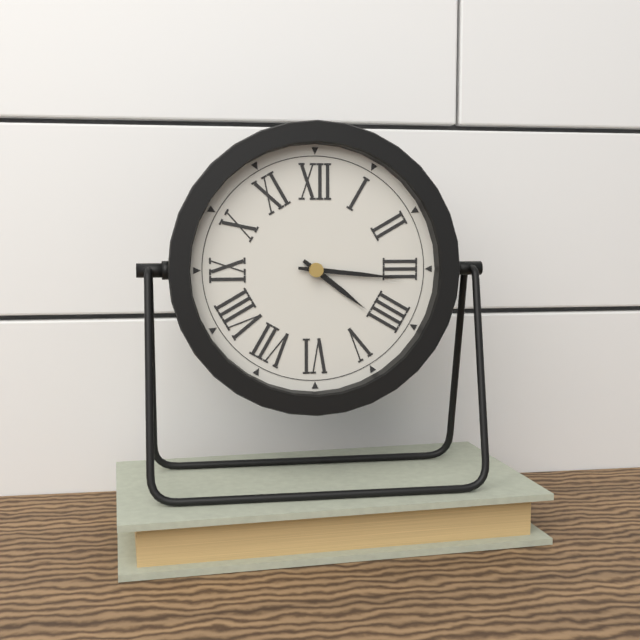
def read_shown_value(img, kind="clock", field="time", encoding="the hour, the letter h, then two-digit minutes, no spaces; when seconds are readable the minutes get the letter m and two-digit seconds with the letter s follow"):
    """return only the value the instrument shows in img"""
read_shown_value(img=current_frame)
4h16
